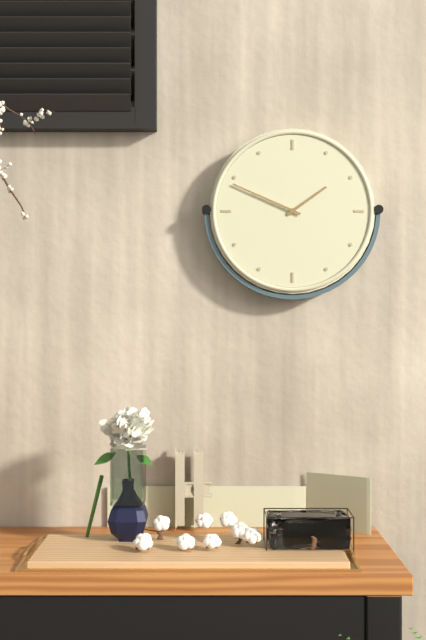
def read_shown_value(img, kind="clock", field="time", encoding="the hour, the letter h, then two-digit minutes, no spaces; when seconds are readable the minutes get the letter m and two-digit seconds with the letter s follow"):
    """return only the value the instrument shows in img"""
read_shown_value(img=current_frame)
1h49
